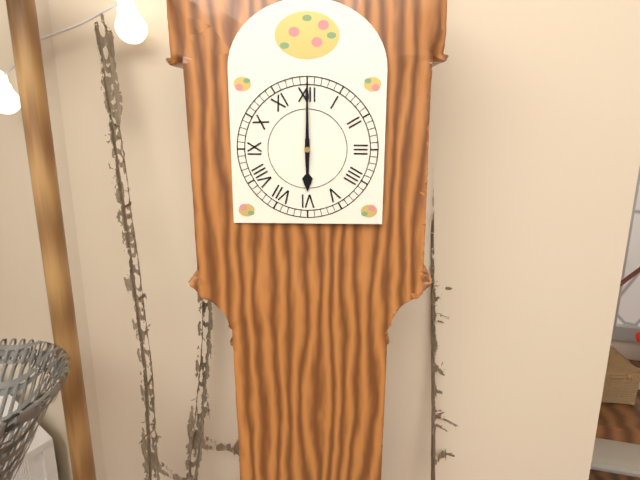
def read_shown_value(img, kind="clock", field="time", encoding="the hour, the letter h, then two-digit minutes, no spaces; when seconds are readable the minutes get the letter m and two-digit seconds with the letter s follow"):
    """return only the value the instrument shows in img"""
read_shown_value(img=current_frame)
6h00
